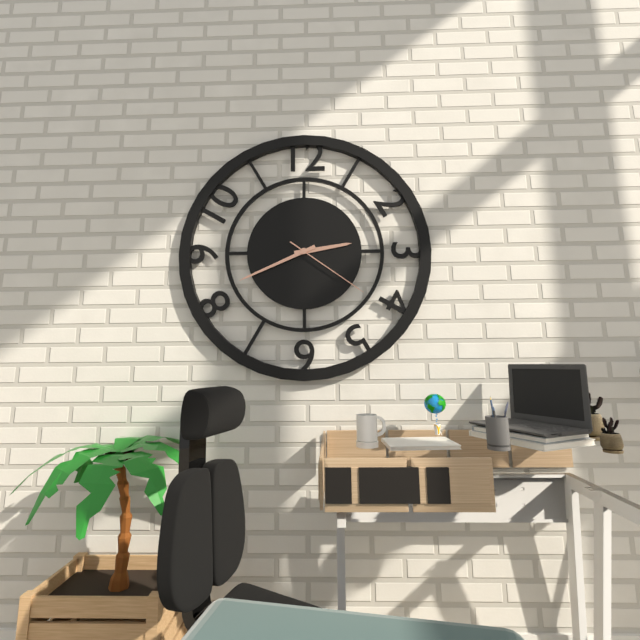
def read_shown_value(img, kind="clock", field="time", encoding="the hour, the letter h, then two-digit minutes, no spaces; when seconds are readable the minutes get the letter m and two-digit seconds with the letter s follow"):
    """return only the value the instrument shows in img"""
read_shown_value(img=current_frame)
2h41m21s
